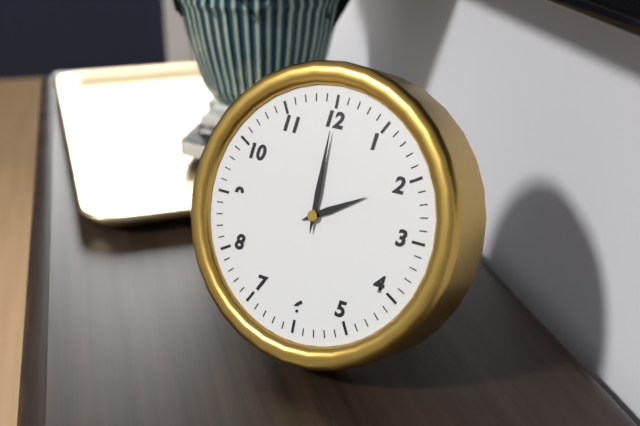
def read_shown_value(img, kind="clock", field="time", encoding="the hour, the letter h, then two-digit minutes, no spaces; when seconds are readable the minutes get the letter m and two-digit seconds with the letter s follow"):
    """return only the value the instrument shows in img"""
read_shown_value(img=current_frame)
2h00
